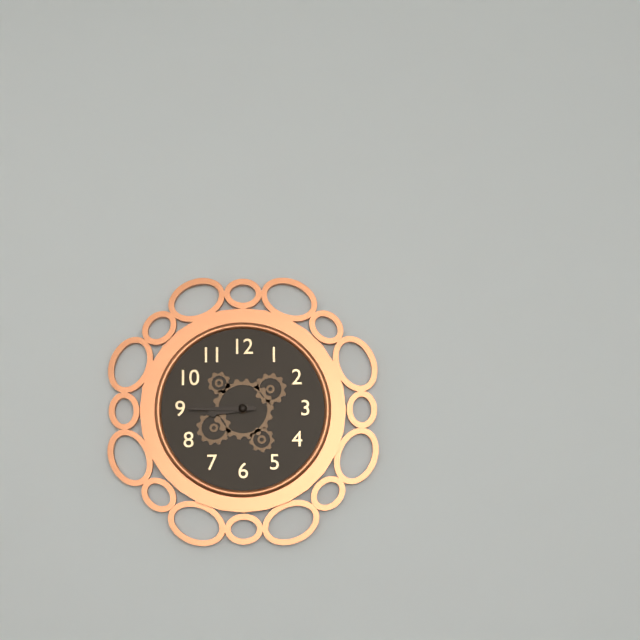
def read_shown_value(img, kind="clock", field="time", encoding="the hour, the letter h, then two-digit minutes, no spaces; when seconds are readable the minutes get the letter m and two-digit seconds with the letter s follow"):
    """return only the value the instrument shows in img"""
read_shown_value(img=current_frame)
8h45
